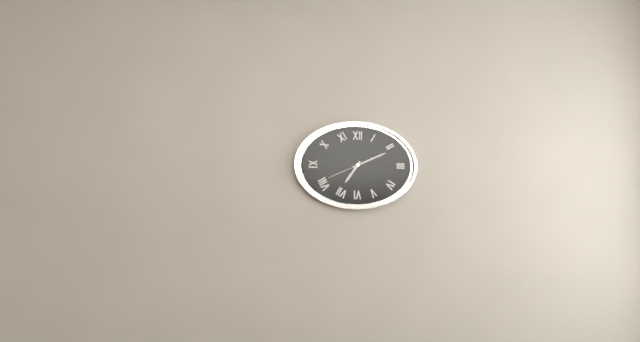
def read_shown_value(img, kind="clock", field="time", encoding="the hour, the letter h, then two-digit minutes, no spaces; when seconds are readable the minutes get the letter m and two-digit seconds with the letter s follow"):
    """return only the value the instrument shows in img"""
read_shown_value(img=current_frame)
7h11
